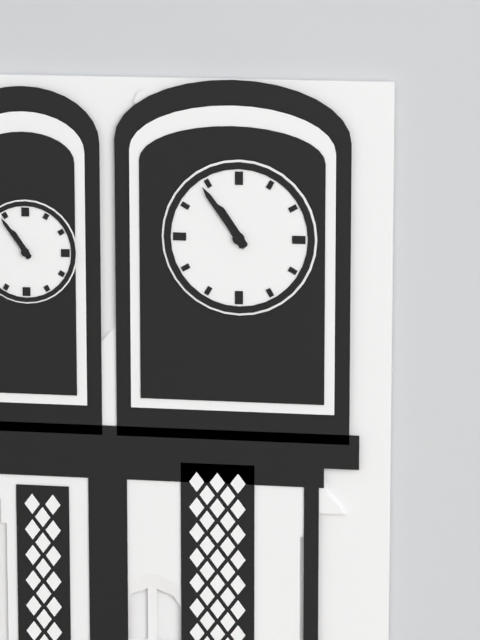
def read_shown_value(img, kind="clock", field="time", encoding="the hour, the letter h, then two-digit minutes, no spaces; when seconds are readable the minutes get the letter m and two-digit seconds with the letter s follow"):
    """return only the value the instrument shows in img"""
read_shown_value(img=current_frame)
10h54
